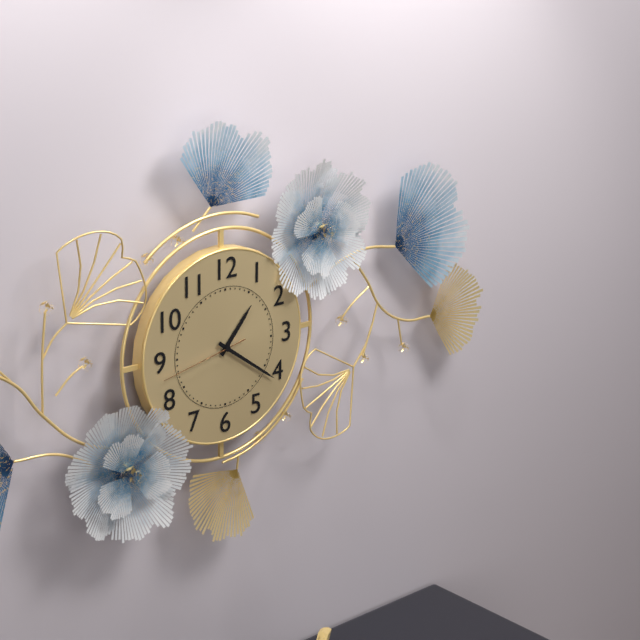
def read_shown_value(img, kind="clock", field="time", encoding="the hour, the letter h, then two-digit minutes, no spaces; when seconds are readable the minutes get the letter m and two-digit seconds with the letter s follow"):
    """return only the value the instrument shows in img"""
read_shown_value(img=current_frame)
1h21m43s
